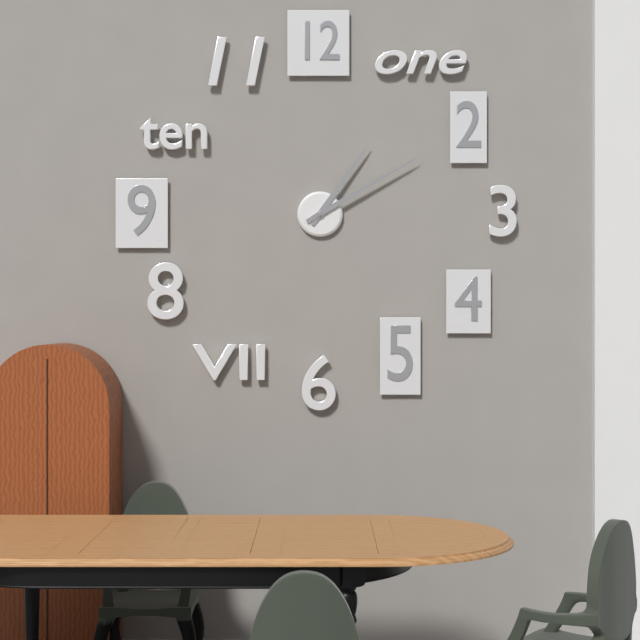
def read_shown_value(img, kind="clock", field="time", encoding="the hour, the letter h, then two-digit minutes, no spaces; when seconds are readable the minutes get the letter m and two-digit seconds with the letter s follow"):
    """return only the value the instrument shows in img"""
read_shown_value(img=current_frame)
1h10
